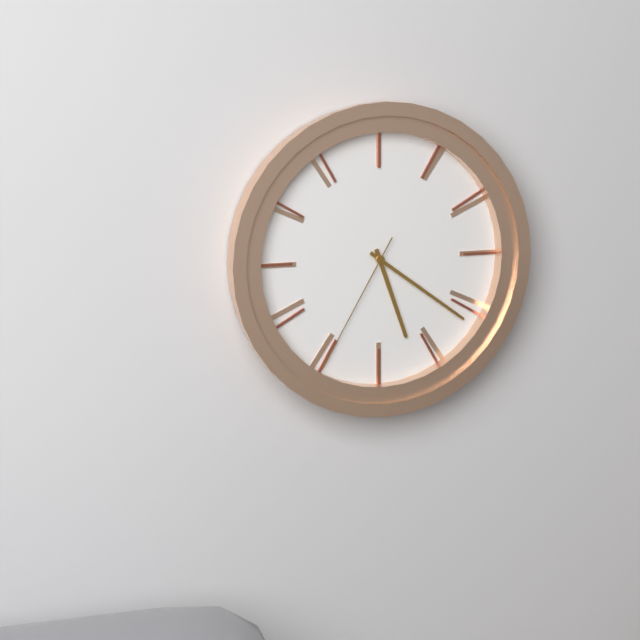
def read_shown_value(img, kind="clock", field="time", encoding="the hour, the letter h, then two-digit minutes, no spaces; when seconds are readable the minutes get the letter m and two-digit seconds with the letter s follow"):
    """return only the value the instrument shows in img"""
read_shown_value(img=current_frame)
5h21m35s
